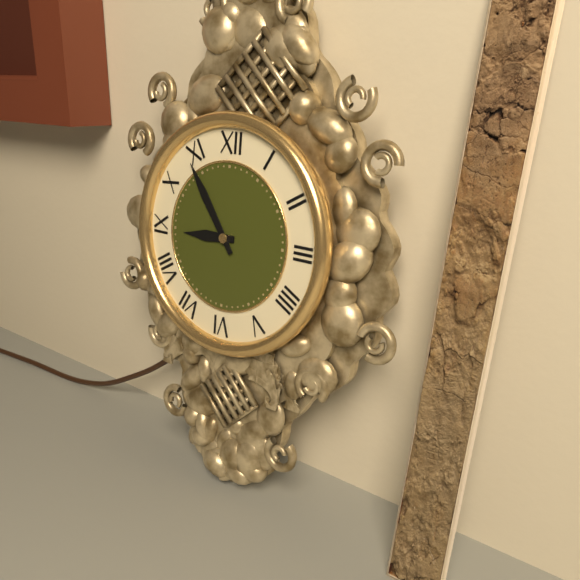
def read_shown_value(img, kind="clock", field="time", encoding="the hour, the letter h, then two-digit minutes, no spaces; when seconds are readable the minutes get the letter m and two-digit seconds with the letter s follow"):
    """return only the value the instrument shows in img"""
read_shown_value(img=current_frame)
8h54
